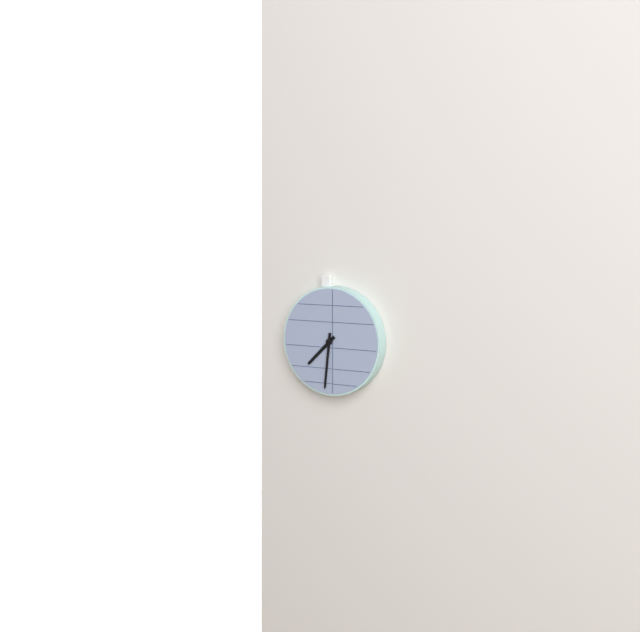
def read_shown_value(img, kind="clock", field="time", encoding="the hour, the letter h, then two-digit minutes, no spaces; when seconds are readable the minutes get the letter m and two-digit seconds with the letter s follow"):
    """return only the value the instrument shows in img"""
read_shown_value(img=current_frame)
7h31
